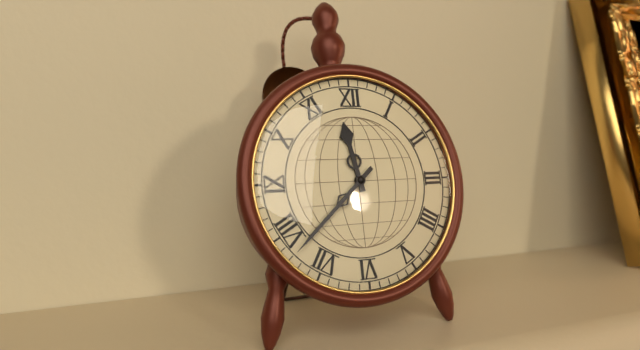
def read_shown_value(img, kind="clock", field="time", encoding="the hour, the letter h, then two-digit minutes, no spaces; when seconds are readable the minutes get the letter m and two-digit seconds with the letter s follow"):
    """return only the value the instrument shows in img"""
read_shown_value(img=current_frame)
11h38
